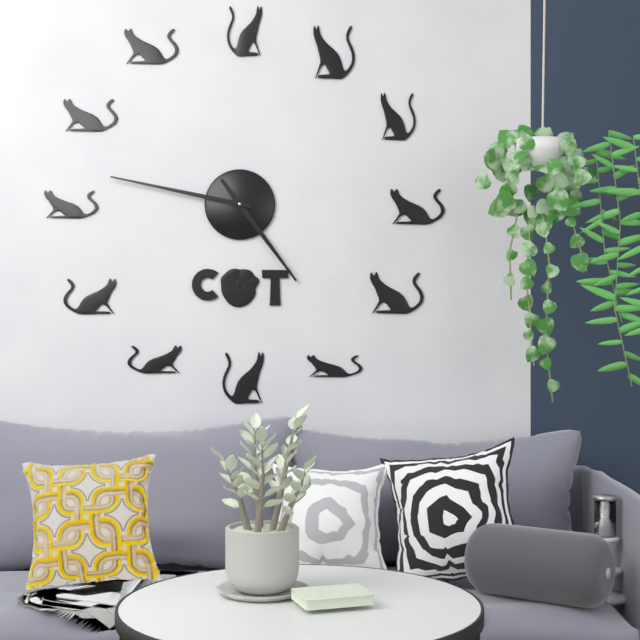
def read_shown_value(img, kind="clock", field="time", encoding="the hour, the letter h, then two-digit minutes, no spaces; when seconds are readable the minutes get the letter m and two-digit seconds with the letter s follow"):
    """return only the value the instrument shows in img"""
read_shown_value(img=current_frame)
4h47
